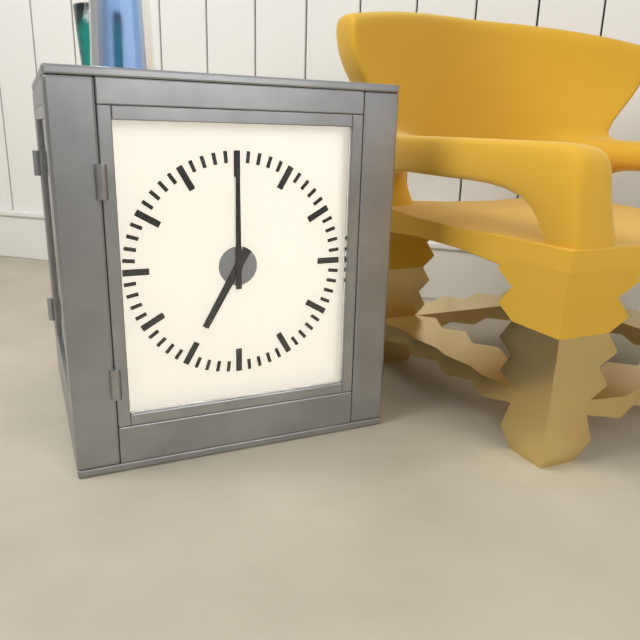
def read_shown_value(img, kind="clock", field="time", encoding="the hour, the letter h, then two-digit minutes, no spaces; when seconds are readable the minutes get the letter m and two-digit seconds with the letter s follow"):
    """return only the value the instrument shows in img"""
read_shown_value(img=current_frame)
7h00
